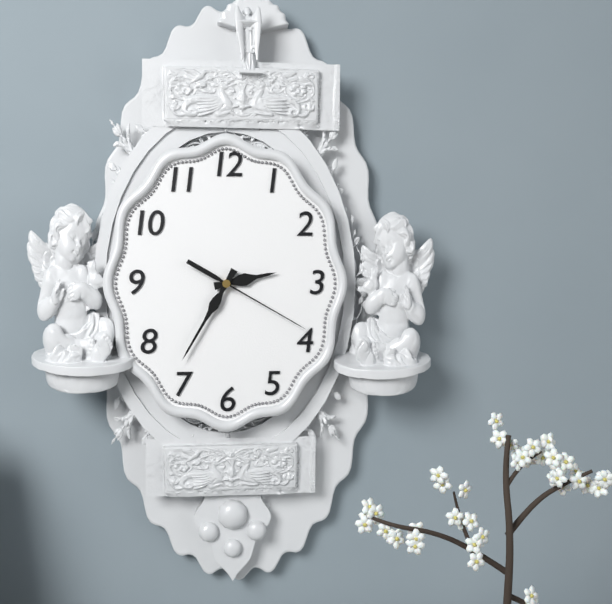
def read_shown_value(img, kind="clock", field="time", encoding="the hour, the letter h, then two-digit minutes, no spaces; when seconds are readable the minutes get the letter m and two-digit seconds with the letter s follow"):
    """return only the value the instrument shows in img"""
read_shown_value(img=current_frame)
2h35m20s
